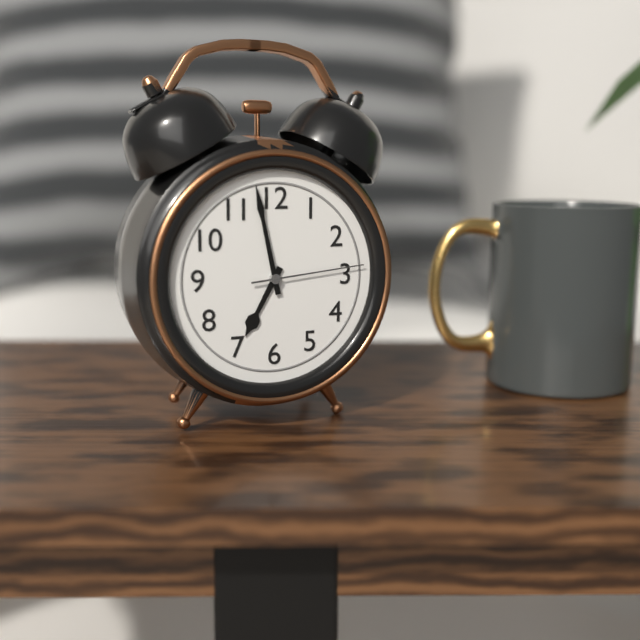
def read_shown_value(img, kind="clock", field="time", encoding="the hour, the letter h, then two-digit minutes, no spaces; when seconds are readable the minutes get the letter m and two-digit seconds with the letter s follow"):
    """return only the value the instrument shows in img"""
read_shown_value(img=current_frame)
6h58m14s
